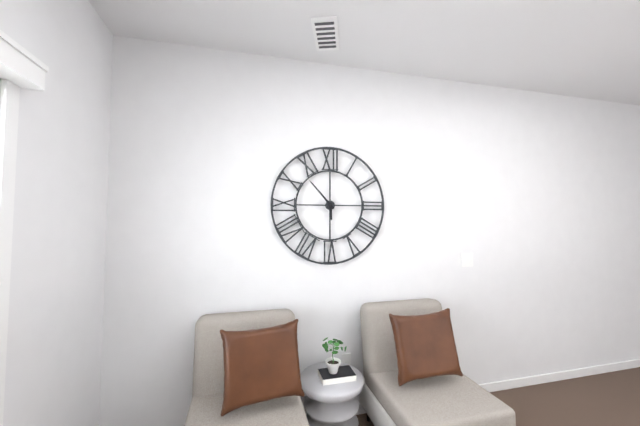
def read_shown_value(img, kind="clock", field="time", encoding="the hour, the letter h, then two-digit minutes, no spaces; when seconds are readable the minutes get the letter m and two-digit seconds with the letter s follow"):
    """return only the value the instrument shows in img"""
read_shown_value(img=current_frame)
5h53
